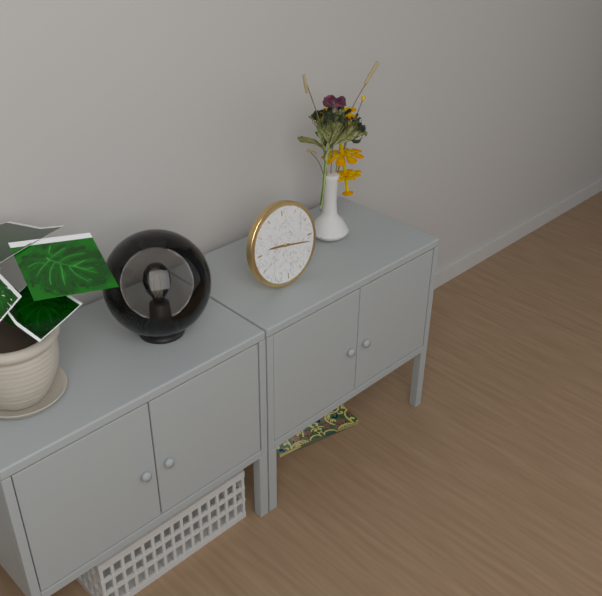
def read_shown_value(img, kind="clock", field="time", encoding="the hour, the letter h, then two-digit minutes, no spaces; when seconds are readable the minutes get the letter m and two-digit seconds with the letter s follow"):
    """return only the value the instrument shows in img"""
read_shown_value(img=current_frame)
9h17
